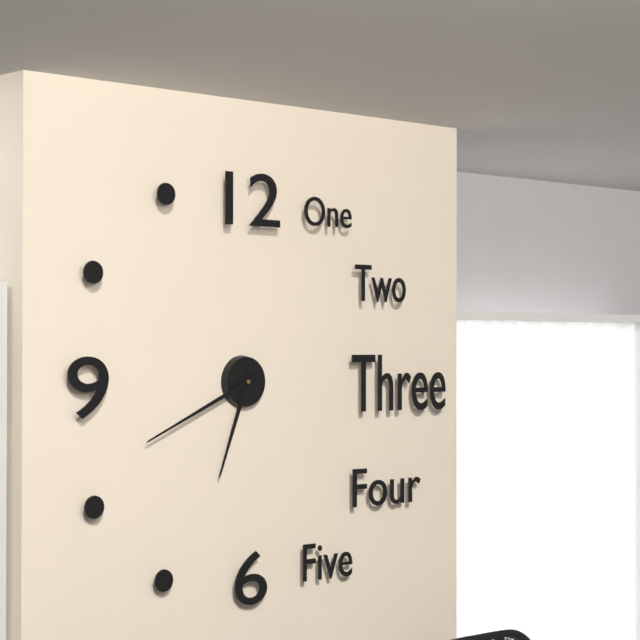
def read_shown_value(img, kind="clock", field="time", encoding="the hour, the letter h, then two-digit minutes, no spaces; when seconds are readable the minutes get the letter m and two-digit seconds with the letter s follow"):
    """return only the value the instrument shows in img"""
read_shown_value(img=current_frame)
6h41
